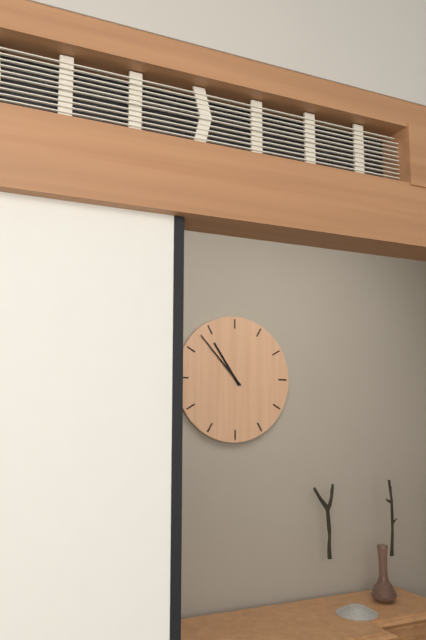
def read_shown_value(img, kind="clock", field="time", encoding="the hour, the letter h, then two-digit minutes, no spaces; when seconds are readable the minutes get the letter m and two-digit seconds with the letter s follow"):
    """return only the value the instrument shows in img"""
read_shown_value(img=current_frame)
10h53
